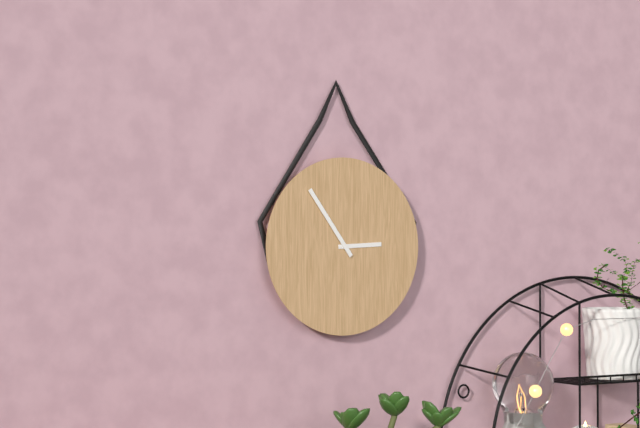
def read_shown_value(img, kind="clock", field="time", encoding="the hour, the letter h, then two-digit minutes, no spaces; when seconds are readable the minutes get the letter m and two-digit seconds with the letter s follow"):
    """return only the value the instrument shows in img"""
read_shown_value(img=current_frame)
2h54
